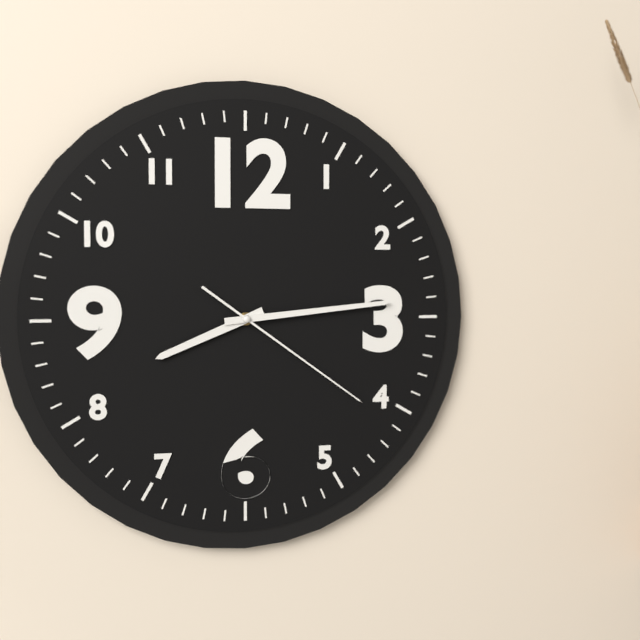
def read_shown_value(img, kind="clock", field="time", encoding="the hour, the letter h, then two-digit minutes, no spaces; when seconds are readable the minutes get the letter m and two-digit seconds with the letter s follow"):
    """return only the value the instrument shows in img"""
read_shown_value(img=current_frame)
8h14m21s
